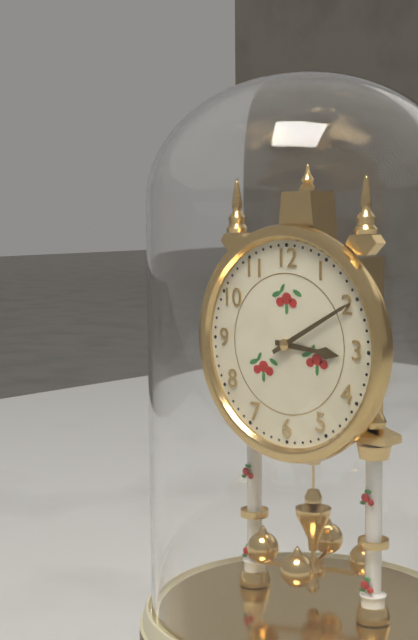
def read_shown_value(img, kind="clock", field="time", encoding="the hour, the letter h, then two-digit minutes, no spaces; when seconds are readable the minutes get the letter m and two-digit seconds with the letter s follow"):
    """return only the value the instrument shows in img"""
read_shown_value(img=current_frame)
3h10
